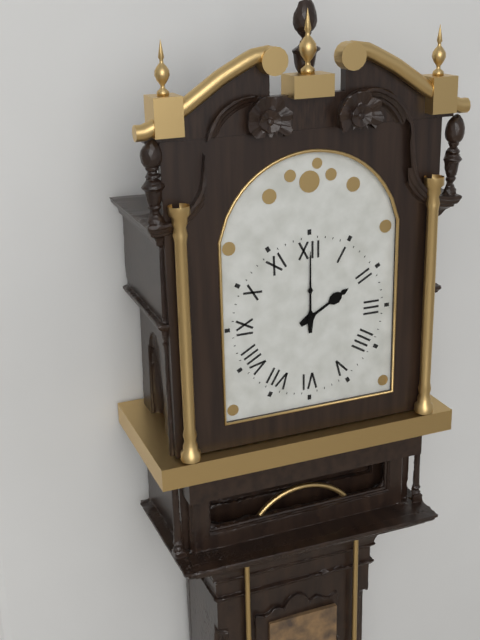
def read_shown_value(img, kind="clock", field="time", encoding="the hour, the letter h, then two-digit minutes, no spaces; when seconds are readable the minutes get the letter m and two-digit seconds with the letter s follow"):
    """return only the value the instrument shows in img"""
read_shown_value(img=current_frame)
2h00
